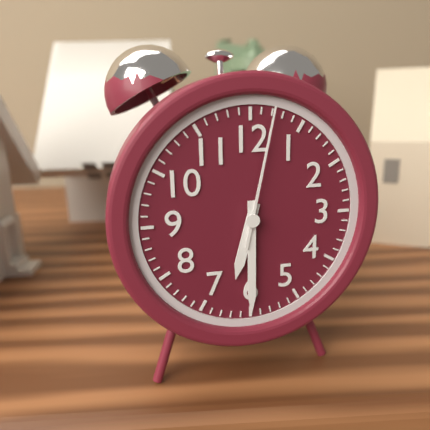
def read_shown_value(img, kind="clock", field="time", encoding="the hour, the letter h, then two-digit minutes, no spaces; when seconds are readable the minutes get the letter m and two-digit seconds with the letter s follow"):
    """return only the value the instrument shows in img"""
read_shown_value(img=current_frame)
6h30m02s
